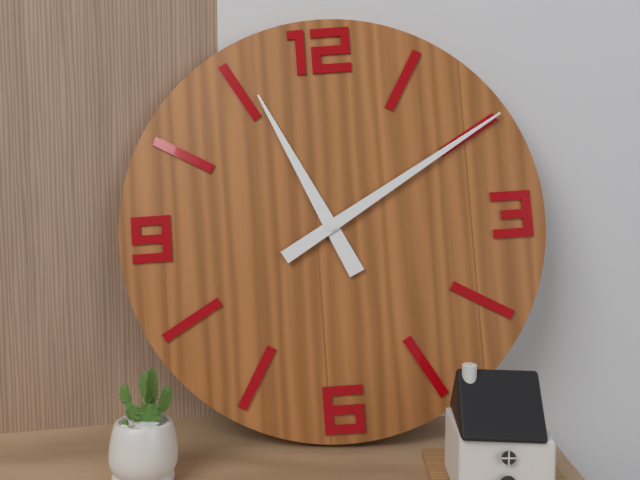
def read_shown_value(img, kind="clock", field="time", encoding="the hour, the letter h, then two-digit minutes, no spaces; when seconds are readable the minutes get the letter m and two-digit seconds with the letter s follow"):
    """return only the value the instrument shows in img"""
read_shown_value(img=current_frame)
11h10
